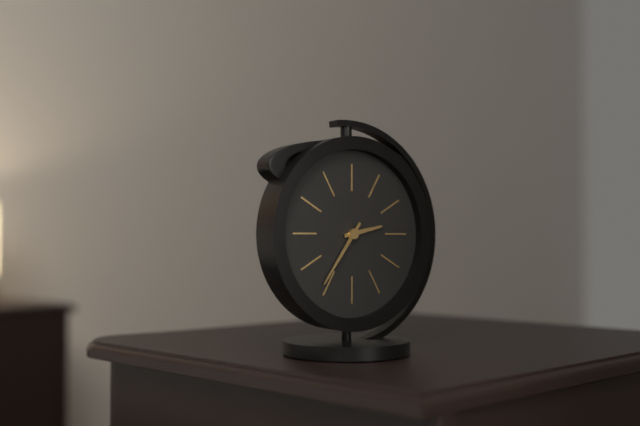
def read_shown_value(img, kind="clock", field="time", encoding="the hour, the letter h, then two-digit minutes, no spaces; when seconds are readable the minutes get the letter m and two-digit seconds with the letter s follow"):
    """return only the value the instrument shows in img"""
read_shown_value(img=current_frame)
2h36
